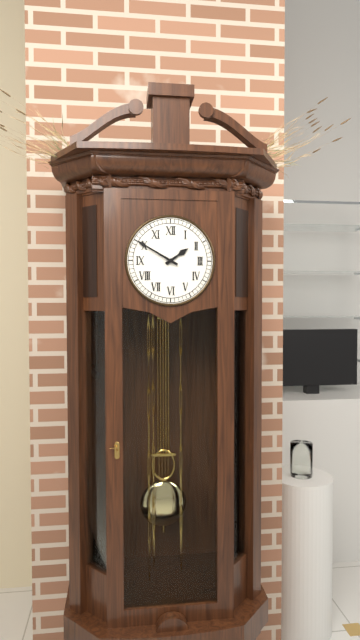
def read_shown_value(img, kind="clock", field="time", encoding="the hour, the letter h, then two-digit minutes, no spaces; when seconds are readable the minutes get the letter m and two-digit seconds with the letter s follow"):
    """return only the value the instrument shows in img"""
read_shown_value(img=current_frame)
1h50
